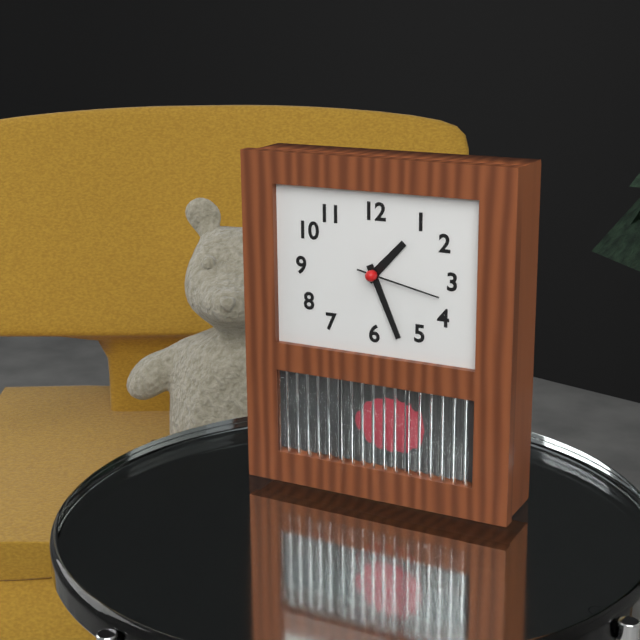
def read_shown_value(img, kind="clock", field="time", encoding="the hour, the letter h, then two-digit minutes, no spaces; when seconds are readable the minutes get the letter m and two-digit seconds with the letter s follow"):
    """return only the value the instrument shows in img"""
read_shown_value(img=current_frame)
1h26m17s
